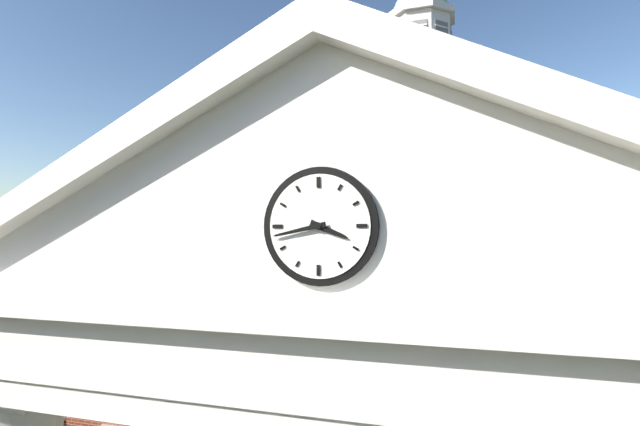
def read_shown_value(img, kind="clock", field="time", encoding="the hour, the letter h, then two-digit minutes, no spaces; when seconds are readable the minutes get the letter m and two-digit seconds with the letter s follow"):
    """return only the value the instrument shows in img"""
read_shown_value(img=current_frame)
3h43
